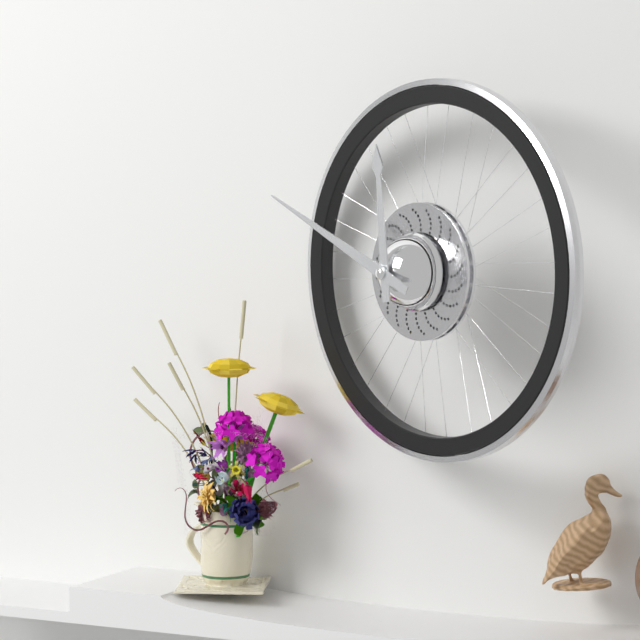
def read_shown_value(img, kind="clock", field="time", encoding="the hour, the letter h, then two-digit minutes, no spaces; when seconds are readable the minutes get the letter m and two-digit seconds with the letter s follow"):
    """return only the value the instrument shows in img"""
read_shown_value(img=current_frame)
11h49
